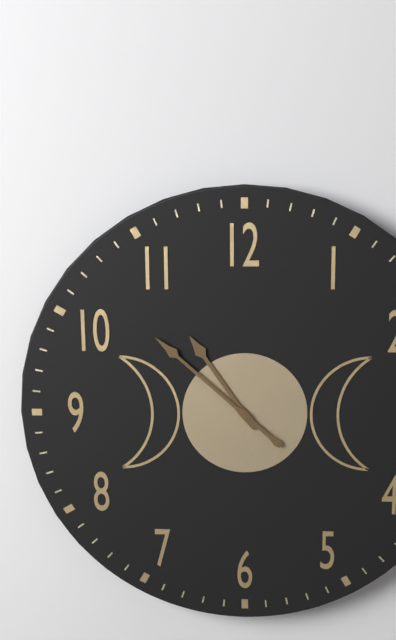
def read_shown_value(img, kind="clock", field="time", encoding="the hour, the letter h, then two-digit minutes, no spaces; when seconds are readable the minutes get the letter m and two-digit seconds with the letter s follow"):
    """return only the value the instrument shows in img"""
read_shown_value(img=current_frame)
10h52
